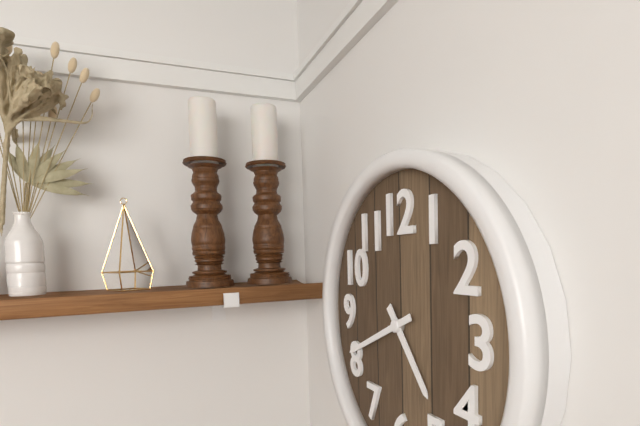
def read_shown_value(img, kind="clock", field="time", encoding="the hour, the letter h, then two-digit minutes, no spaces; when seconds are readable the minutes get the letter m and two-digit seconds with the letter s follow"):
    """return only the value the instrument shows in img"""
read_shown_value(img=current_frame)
4h41
